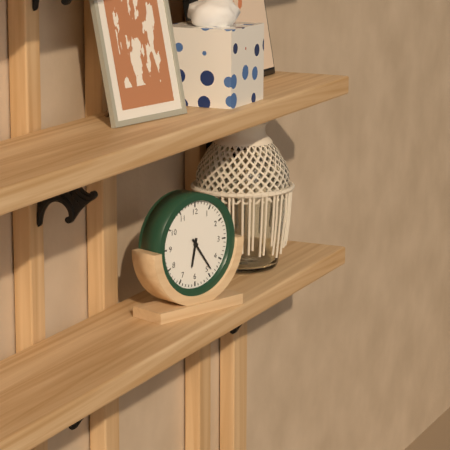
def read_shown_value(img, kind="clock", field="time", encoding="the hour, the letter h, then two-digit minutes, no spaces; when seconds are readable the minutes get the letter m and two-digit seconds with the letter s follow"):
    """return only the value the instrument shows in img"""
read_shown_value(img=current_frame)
6h24
